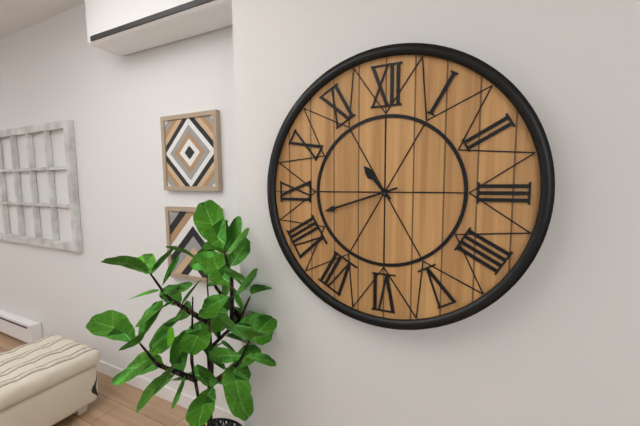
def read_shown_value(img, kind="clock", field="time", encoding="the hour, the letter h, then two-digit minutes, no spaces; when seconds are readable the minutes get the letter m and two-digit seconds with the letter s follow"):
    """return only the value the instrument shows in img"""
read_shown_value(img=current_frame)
10h42
